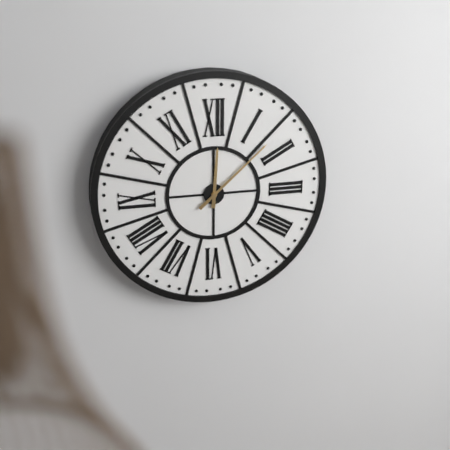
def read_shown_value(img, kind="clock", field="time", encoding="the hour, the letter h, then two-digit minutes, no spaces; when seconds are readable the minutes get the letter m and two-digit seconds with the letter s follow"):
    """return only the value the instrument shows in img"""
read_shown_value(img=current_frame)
12h08
